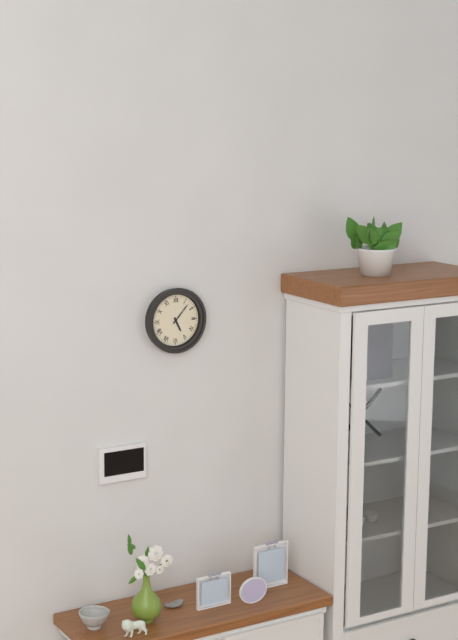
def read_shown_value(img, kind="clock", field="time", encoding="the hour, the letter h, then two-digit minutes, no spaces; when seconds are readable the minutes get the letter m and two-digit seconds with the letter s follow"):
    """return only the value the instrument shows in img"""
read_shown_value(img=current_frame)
5h07
